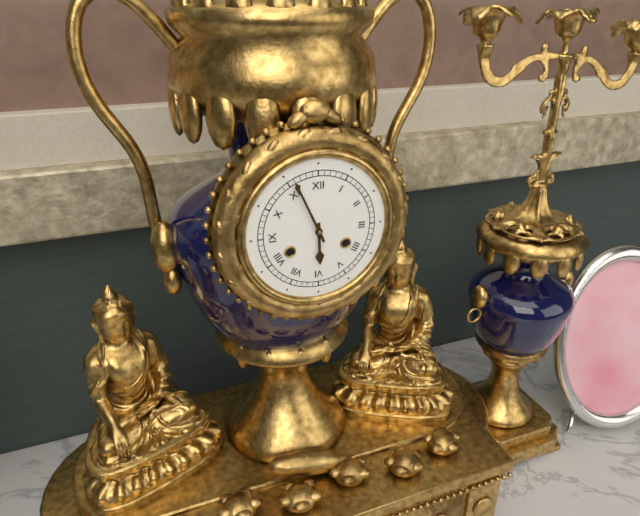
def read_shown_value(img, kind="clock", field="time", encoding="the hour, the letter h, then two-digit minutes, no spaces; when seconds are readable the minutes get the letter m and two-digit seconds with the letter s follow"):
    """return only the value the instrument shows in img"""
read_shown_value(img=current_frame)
5h56
